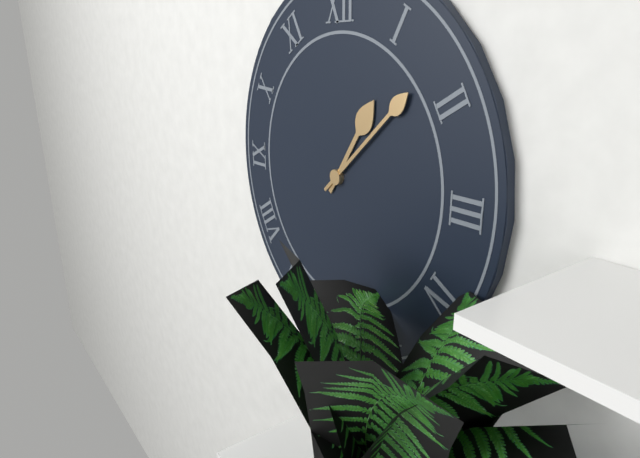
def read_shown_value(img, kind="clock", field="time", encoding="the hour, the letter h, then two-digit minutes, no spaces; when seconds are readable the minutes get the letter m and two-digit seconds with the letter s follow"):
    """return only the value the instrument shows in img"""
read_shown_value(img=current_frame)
1h08
